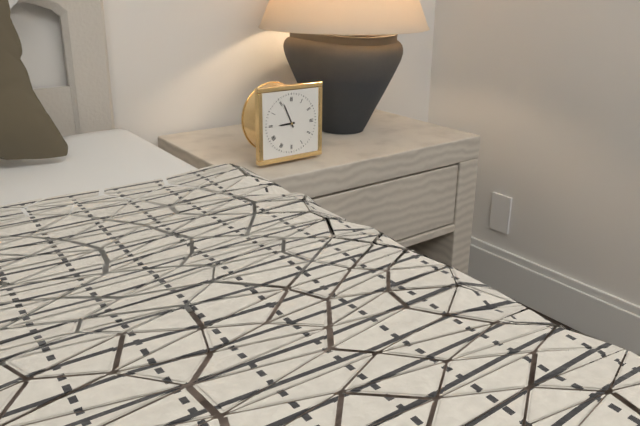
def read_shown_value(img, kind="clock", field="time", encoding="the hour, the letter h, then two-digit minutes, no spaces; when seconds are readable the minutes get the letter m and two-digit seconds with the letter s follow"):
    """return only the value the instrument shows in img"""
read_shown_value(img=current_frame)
8h56
